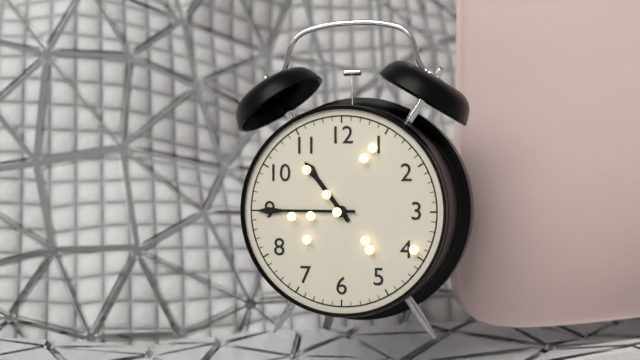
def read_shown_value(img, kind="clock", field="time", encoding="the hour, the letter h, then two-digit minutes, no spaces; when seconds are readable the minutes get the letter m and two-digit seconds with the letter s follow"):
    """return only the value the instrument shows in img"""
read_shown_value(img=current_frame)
10h45
